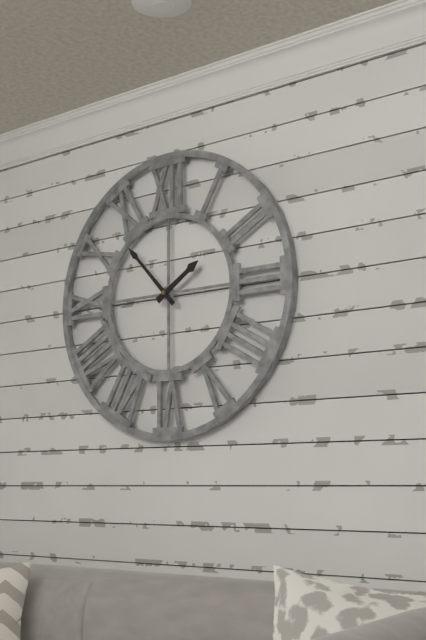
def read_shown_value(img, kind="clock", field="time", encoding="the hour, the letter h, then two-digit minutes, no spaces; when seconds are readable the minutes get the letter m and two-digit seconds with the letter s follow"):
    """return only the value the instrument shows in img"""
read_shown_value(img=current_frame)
1h53
